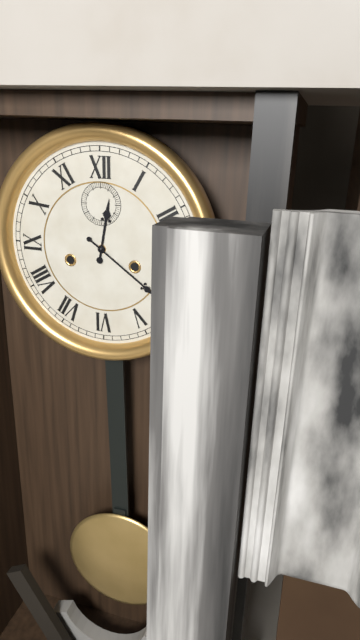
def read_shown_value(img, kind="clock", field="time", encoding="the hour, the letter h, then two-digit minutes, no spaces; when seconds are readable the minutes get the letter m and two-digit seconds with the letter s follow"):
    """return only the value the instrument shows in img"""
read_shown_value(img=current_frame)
12h21
